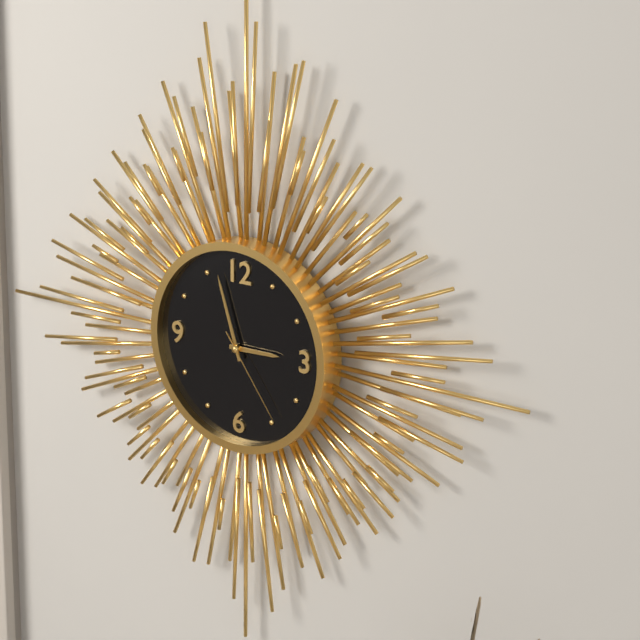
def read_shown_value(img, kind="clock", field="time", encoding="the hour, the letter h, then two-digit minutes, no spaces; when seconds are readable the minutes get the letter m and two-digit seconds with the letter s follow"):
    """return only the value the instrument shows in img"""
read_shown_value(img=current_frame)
2h57m24s
